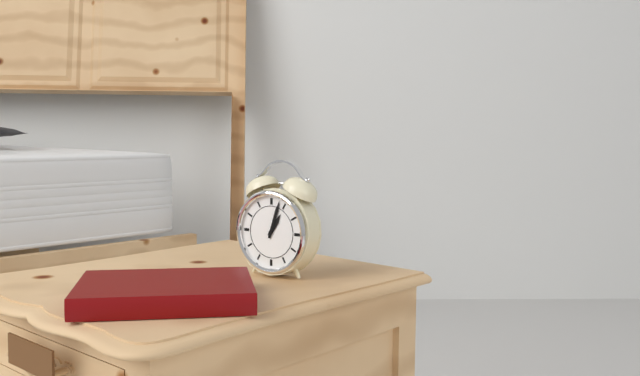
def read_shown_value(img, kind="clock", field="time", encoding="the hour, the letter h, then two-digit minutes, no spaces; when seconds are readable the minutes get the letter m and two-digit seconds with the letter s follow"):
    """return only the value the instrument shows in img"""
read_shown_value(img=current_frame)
1h03
